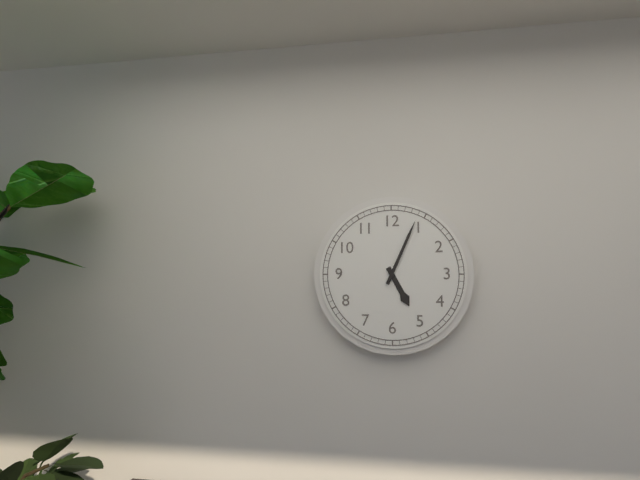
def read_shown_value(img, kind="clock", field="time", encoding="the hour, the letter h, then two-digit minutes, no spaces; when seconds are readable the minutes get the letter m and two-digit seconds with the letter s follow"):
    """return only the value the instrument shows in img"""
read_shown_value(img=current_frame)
5h04
